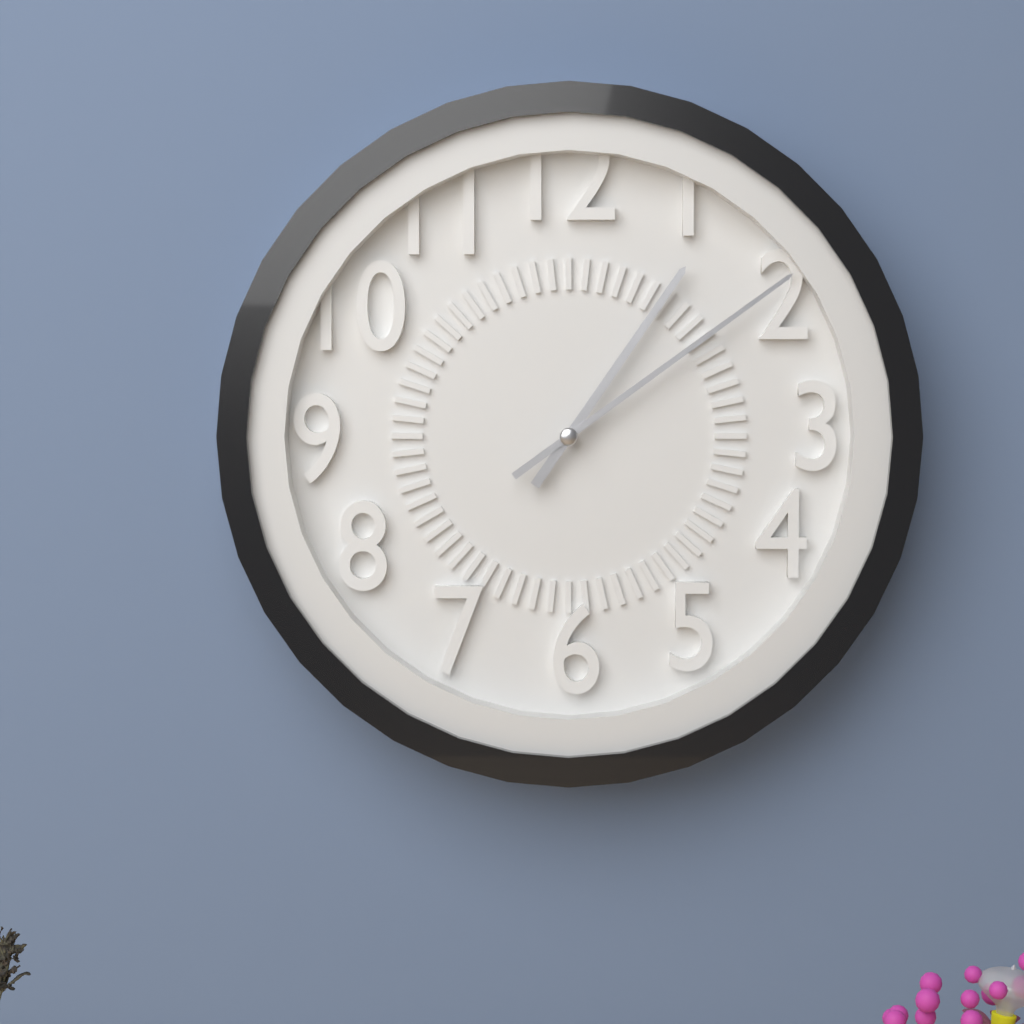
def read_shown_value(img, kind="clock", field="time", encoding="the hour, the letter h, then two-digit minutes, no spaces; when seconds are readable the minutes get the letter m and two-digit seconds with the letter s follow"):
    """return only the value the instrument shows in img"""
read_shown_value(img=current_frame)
1h09
